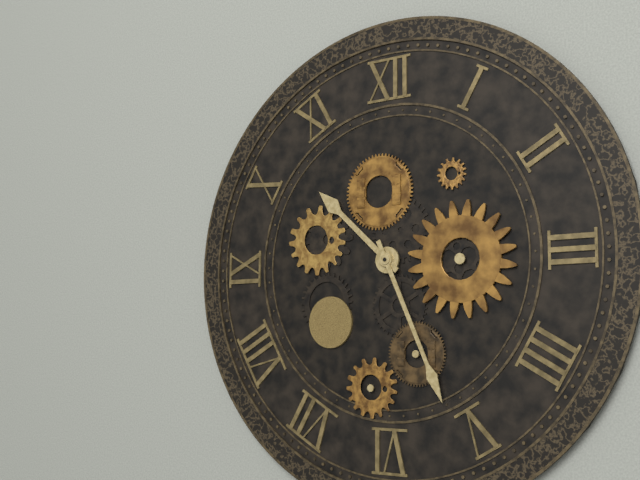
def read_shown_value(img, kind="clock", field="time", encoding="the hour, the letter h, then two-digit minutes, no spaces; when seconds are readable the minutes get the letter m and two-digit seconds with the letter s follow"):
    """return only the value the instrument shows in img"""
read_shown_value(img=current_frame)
10h26
